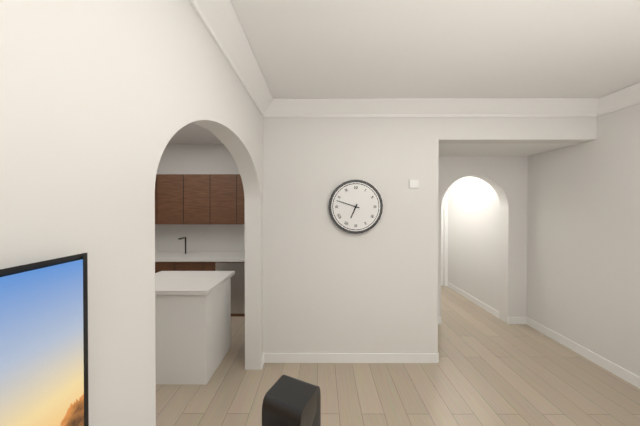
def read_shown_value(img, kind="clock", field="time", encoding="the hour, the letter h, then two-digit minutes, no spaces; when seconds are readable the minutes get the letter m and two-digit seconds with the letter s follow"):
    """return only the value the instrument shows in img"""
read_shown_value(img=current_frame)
6h48
